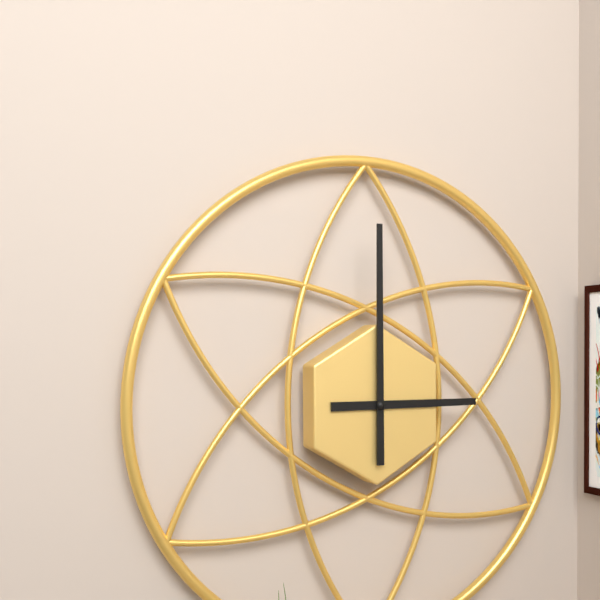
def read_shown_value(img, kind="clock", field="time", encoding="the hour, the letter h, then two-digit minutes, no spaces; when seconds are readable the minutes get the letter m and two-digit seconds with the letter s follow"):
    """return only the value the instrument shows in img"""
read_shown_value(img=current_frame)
3h00
